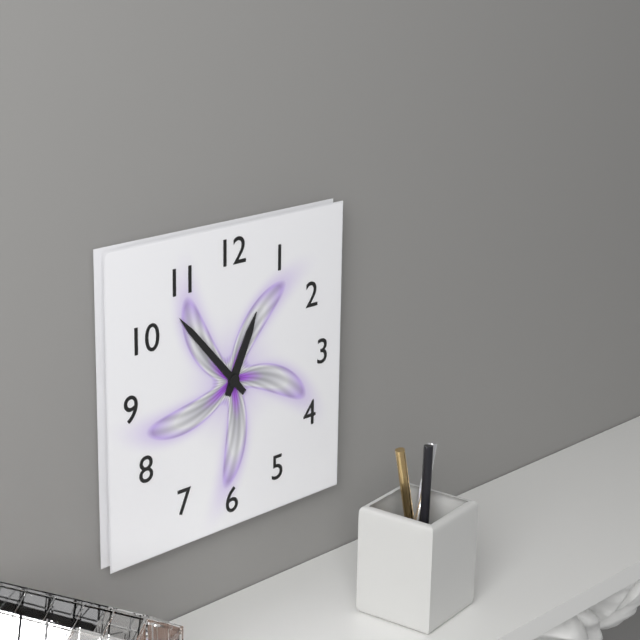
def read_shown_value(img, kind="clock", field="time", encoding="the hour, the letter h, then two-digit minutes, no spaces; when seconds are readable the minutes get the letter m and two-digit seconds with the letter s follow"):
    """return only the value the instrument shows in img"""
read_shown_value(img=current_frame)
12h53
